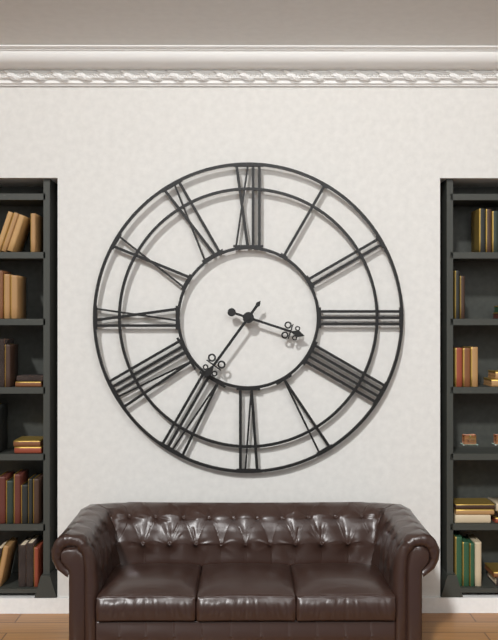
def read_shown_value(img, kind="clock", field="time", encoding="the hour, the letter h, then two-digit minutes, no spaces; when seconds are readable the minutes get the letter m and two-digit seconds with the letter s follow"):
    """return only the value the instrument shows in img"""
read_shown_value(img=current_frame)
3h36
